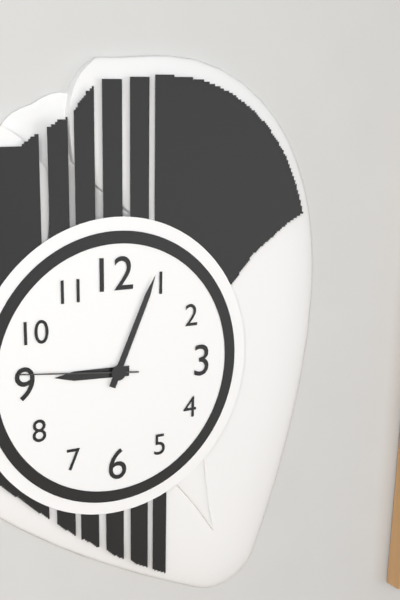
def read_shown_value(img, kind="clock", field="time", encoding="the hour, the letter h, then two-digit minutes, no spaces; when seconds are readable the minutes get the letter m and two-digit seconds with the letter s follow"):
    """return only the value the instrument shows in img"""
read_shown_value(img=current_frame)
9h04m46s
